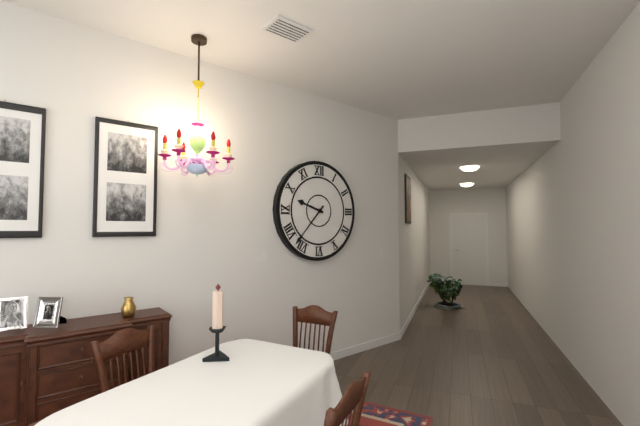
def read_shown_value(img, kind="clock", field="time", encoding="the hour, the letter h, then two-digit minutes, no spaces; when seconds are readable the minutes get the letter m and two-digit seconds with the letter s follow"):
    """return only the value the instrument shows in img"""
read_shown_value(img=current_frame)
9h37
